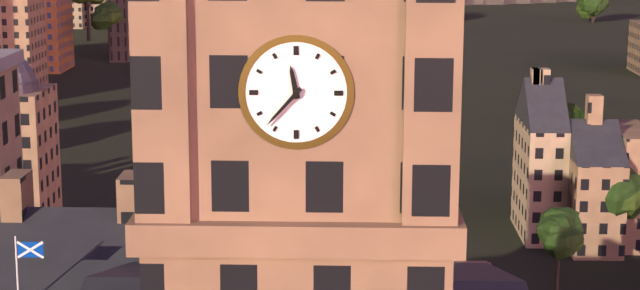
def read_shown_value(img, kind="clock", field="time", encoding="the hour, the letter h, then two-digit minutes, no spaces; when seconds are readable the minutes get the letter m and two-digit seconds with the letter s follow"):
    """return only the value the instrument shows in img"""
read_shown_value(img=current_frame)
11h37
